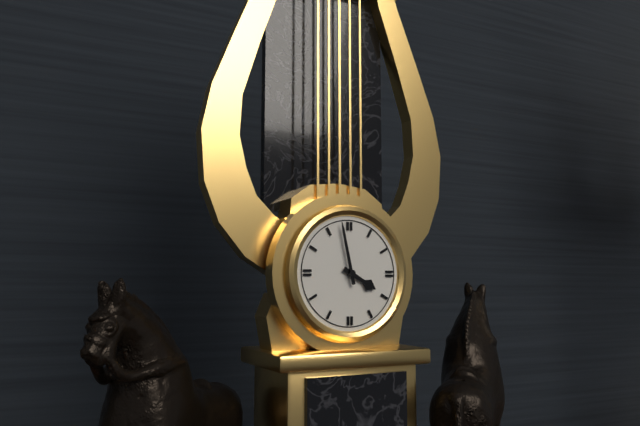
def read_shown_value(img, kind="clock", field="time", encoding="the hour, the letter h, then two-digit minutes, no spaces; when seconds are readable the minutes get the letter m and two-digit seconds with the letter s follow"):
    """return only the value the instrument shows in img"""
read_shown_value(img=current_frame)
3h58
